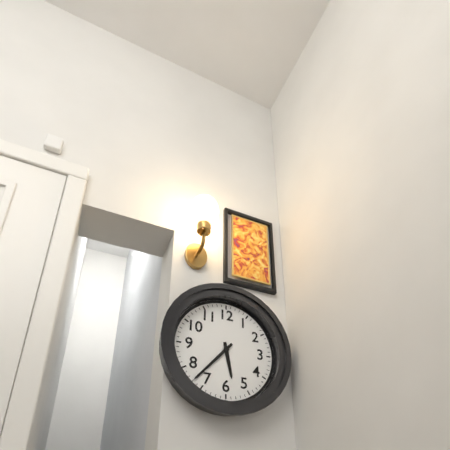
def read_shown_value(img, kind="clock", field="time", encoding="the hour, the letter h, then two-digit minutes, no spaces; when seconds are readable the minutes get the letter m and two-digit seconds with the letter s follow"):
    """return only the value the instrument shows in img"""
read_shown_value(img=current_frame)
5h37
